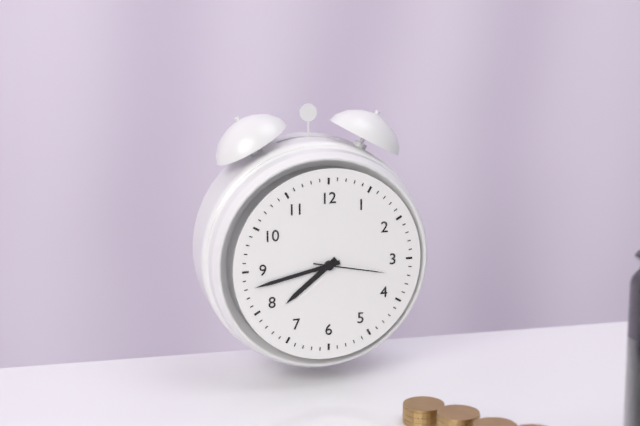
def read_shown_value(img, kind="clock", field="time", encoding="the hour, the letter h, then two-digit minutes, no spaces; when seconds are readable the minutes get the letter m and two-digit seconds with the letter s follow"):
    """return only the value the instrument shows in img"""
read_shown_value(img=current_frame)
7h43m17s
